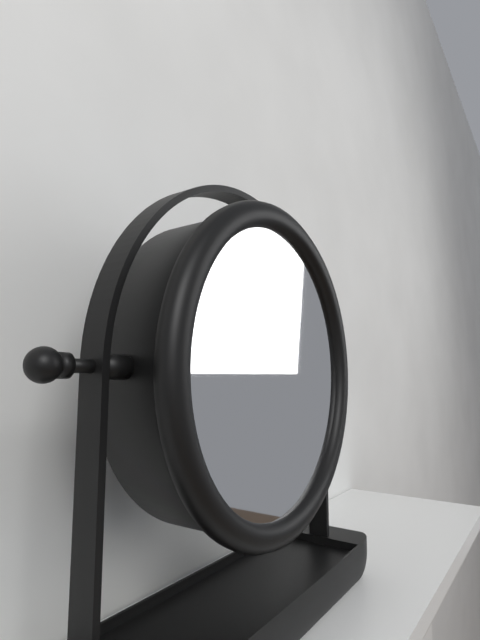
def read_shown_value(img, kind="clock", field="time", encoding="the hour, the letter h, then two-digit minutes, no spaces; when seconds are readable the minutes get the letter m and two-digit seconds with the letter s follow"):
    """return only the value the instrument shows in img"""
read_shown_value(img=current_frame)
7h42
